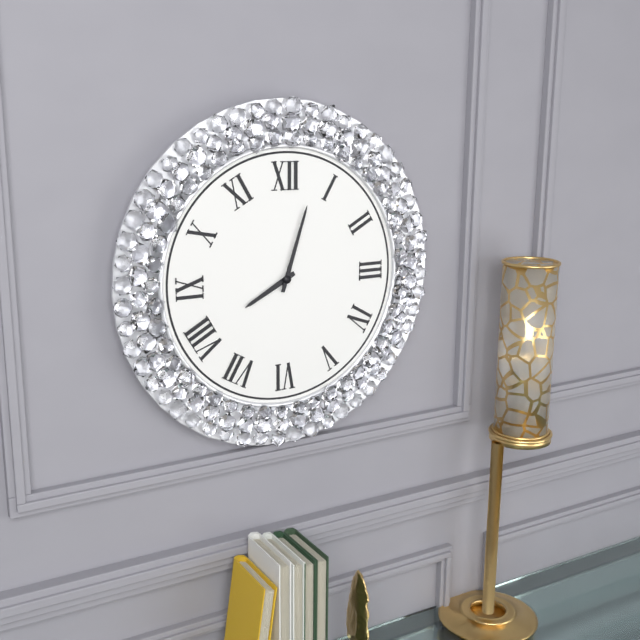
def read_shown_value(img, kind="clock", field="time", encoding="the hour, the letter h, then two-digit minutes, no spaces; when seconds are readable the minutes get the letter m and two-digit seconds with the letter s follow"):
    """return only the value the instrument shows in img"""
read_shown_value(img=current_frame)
8h03
